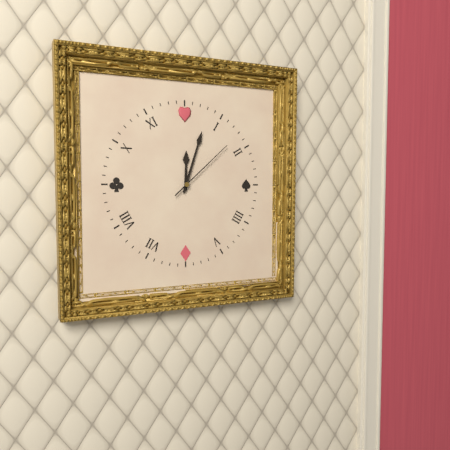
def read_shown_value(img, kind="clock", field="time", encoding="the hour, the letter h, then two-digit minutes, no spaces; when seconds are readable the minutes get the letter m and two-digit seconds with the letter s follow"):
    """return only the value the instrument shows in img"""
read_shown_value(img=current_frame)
12h03m08s
